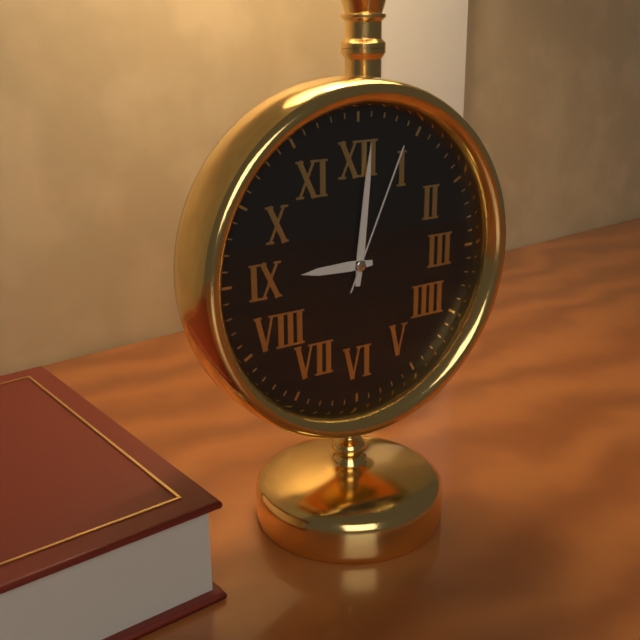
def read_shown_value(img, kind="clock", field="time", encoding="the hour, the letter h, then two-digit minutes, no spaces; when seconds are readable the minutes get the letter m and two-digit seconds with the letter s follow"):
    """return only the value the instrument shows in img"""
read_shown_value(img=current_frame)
9h01m04s
